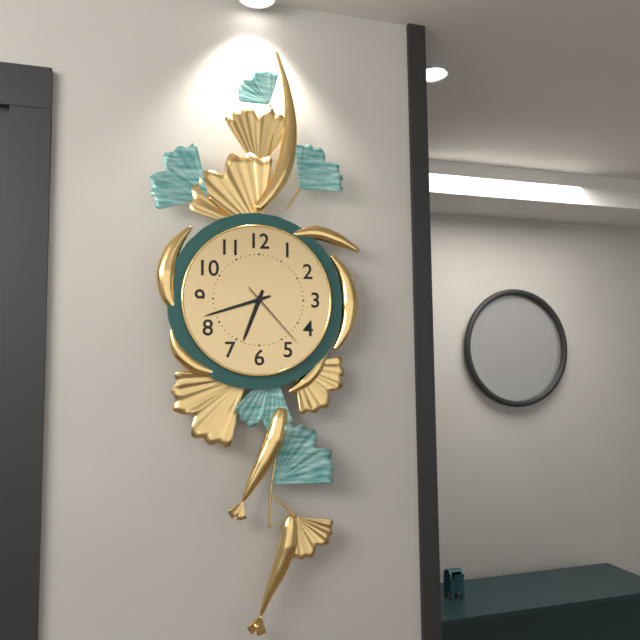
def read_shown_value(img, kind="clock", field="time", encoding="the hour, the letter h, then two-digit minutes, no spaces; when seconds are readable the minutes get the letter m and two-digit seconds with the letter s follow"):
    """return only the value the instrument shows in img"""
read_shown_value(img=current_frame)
6h42m23s
